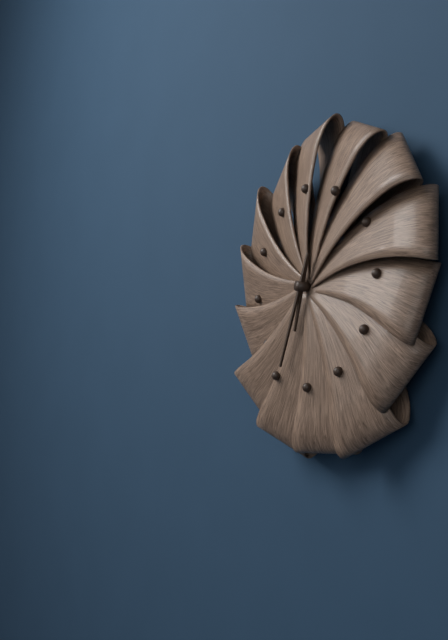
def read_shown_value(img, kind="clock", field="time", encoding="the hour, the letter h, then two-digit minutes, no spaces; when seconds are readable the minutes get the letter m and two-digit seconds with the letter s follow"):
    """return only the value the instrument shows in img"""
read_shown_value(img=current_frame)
6h34
